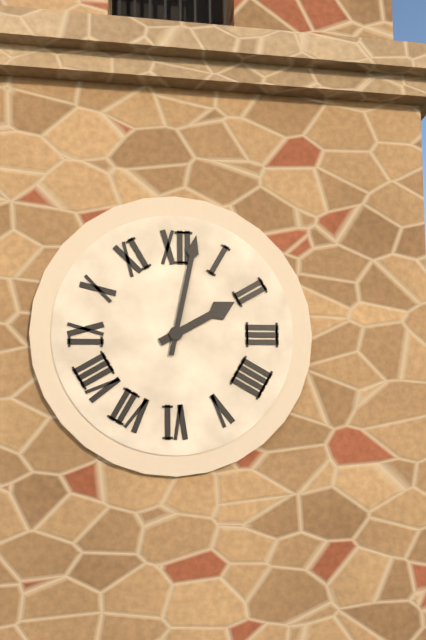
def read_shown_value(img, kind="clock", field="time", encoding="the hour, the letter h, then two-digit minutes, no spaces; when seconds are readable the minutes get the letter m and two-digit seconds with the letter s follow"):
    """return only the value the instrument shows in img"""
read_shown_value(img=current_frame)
2h02
